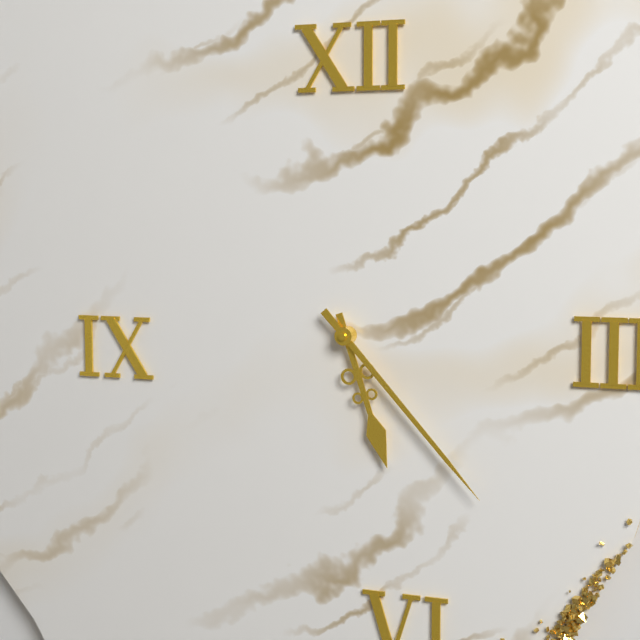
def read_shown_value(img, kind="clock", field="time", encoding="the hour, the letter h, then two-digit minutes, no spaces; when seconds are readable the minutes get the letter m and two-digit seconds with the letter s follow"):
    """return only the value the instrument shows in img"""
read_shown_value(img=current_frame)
5h23
